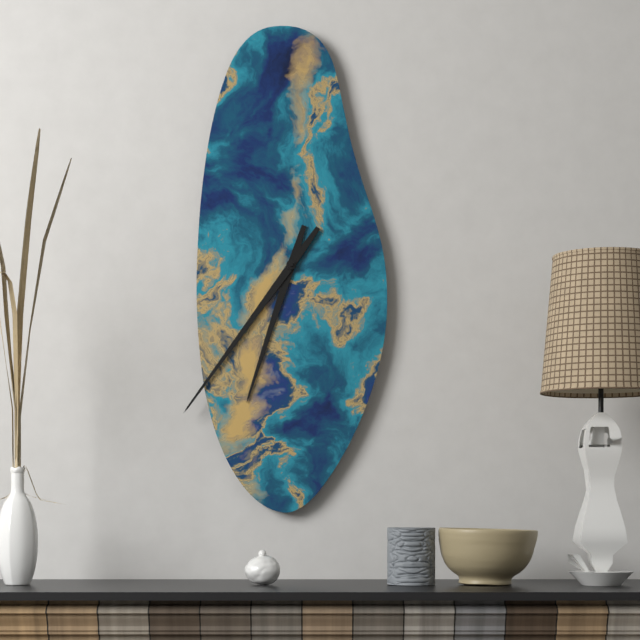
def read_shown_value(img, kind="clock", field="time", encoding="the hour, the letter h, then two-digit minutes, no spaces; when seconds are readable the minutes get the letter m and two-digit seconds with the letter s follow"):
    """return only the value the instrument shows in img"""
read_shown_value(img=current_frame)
6h36
